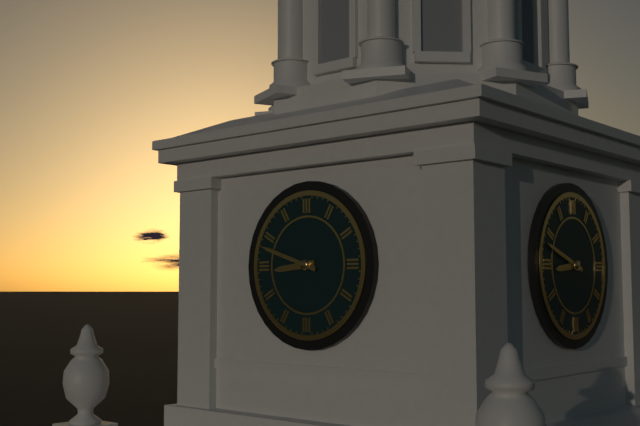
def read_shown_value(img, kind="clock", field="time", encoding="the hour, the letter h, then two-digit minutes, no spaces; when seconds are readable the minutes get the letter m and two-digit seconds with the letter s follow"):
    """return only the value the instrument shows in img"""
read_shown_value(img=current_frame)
8h48
